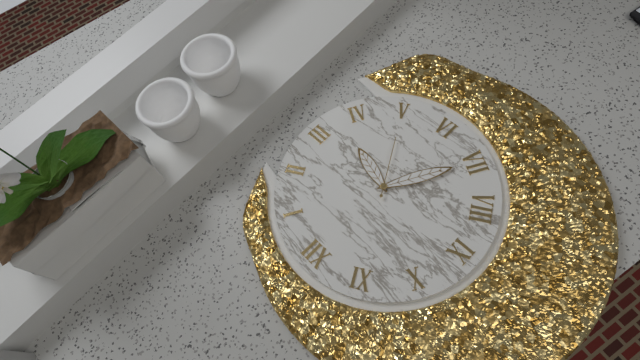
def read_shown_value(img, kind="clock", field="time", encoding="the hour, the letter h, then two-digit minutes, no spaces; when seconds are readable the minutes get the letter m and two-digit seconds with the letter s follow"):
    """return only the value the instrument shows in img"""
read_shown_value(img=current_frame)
3h35m25s
